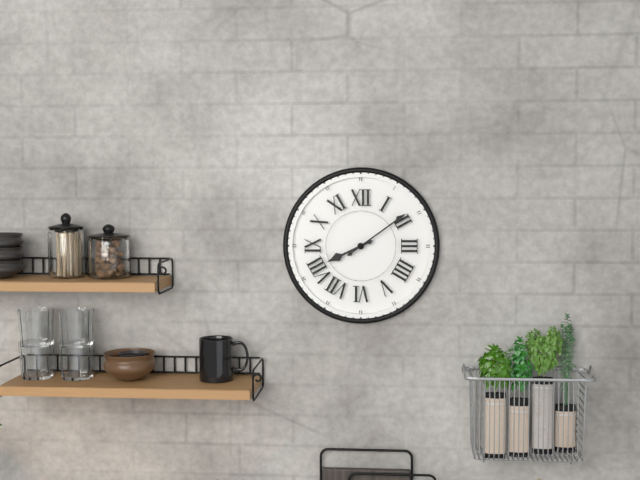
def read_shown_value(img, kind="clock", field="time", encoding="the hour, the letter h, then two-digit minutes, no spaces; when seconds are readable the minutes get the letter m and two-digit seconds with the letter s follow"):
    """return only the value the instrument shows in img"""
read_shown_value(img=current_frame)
8h09
